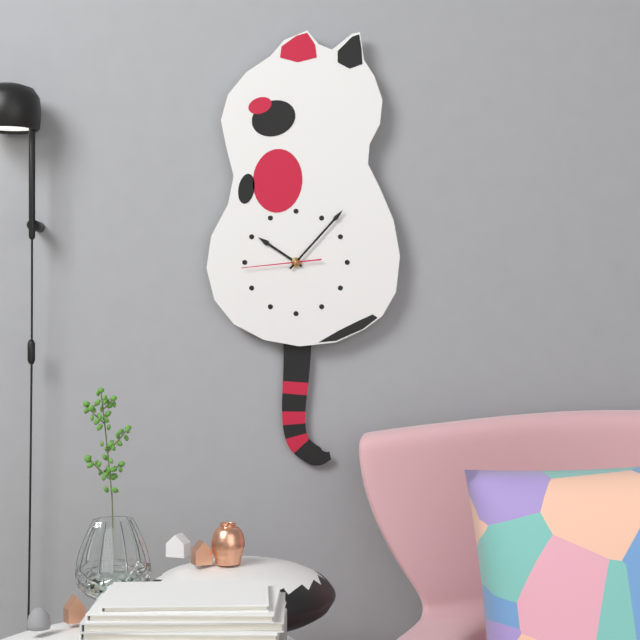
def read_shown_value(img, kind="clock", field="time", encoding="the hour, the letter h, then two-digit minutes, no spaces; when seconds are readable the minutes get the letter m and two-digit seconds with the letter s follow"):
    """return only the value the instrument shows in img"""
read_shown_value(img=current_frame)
10h07m44s
